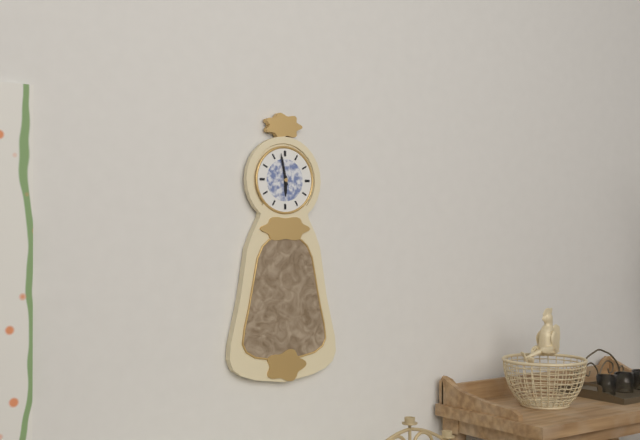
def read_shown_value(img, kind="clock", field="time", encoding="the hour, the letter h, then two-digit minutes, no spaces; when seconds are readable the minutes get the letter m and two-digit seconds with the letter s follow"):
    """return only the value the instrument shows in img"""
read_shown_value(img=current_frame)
5h58
